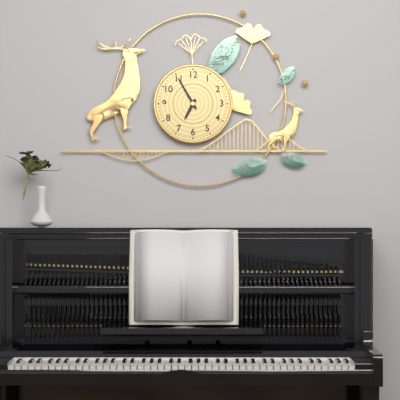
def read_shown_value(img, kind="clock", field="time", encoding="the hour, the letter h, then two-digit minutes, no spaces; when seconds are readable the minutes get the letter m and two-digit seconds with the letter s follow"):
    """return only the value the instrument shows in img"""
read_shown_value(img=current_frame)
6h55
